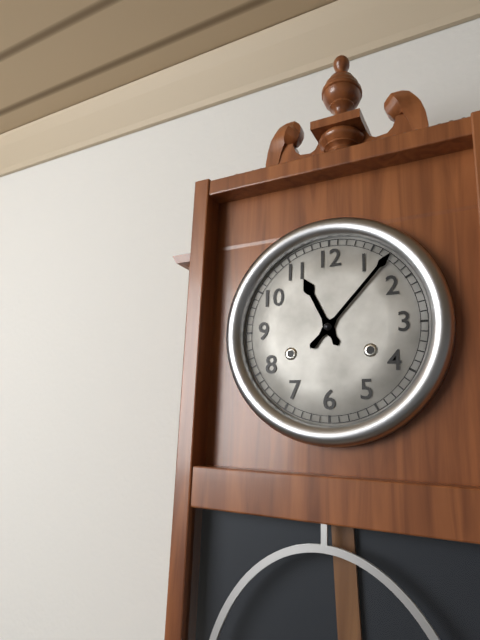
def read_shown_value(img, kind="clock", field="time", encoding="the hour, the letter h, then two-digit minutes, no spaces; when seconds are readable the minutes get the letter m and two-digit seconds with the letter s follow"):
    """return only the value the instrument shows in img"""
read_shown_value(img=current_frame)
11h07
